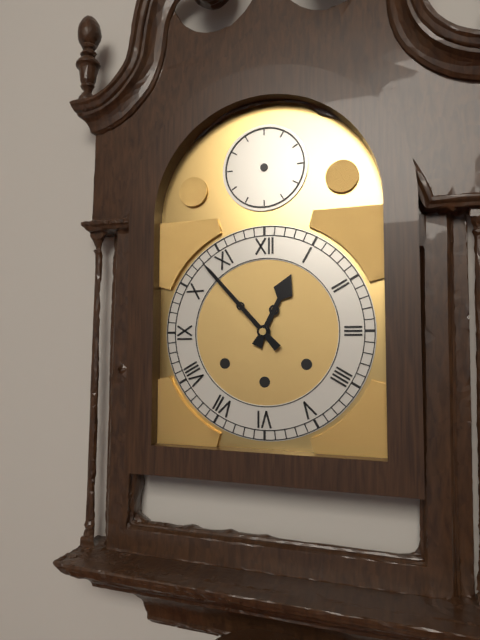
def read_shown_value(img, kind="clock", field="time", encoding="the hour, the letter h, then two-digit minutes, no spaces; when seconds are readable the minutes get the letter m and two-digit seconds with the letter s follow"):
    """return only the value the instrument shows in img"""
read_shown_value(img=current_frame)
12h53
